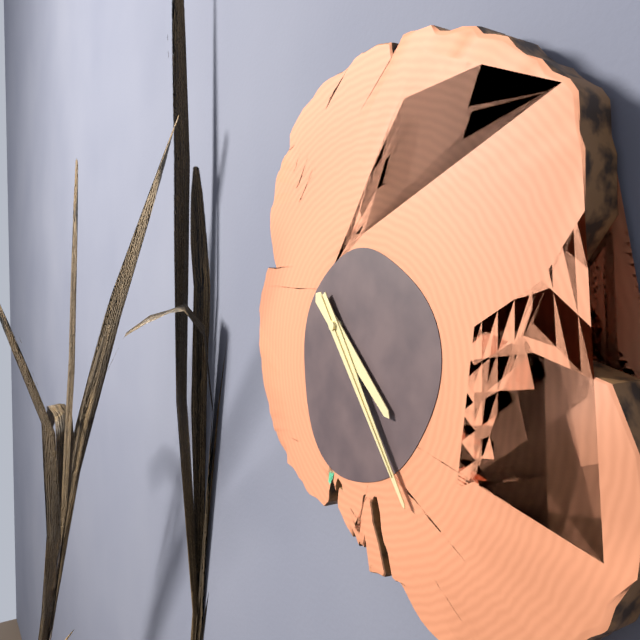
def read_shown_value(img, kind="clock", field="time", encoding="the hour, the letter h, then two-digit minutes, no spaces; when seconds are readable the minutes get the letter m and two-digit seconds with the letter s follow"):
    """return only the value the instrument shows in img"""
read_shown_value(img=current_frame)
4h24m24s
